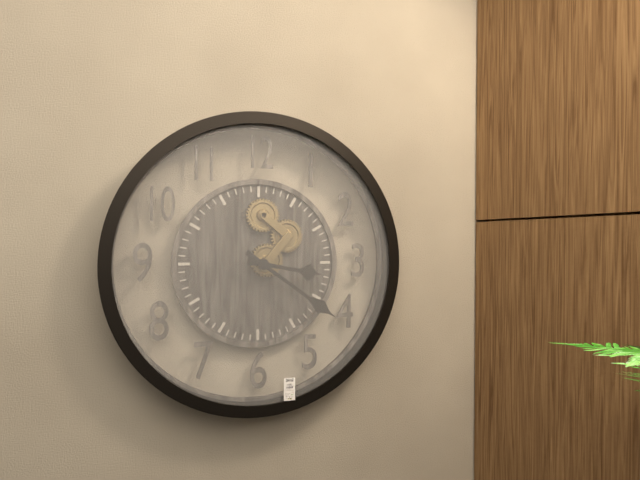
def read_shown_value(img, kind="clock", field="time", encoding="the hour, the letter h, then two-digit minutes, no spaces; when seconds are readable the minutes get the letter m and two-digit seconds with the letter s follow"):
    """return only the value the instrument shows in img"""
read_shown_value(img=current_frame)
3h21
